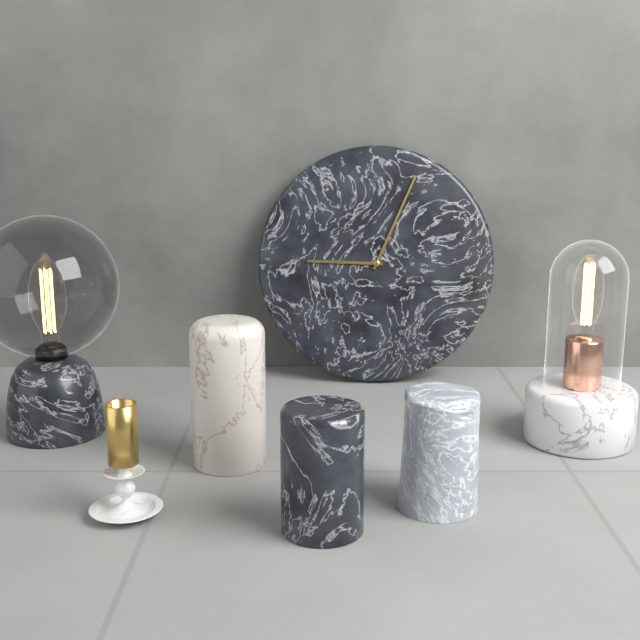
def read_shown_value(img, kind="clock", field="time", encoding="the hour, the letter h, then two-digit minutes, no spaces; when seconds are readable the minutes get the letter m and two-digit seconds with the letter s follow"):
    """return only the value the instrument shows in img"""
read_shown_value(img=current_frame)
9h04
